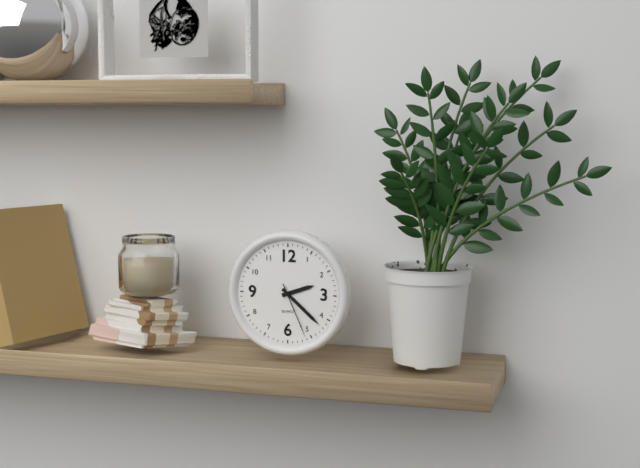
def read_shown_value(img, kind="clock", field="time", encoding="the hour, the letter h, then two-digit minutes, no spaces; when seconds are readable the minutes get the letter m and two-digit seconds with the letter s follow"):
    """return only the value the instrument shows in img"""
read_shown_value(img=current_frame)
2h22m26s
